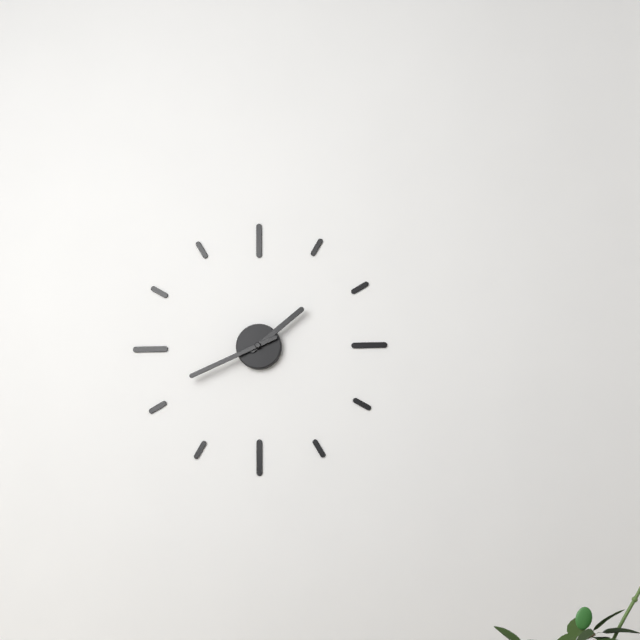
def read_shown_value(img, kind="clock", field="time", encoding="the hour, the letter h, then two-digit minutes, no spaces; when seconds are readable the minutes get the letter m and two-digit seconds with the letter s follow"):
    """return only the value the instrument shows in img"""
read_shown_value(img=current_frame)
1h41
